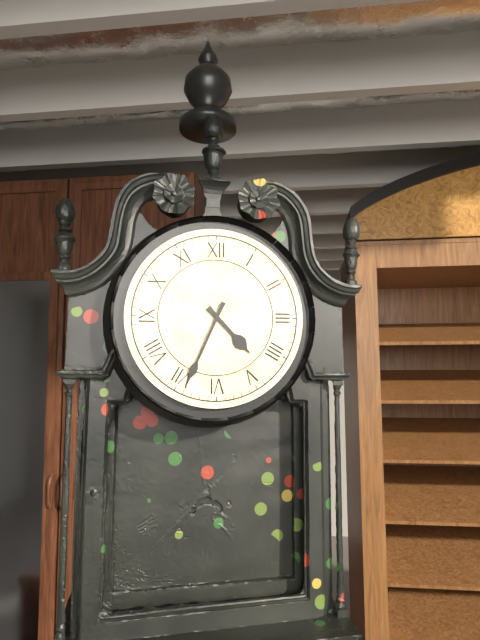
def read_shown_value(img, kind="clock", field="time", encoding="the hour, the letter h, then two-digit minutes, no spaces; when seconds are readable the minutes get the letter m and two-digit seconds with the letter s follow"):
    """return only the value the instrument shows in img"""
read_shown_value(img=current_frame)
4h34
